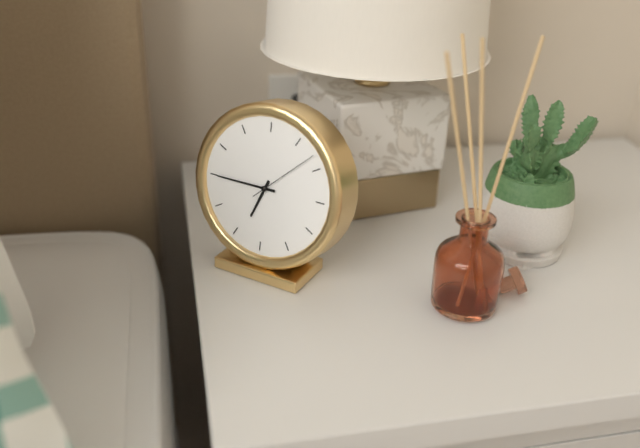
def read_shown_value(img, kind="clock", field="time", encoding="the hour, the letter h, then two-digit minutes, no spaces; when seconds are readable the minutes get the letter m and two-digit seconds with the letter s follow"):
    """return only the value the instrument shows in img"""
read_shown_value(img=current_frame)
6h45m08s
